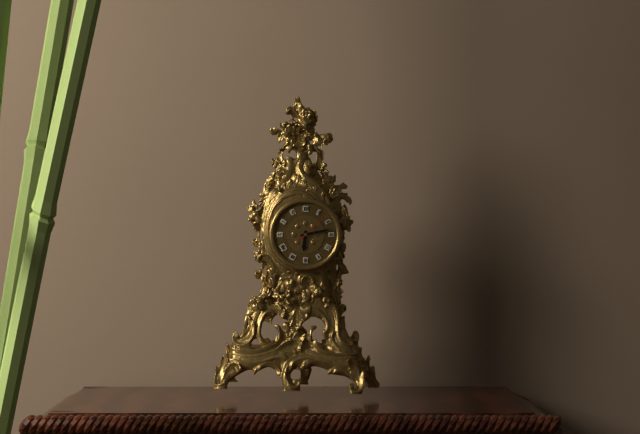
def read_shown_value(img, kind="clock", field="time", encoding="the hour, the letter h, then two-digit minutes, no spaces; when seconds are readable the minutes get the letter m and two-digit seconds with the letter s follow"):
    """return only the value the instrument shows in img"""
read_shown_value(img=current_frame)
6h13
